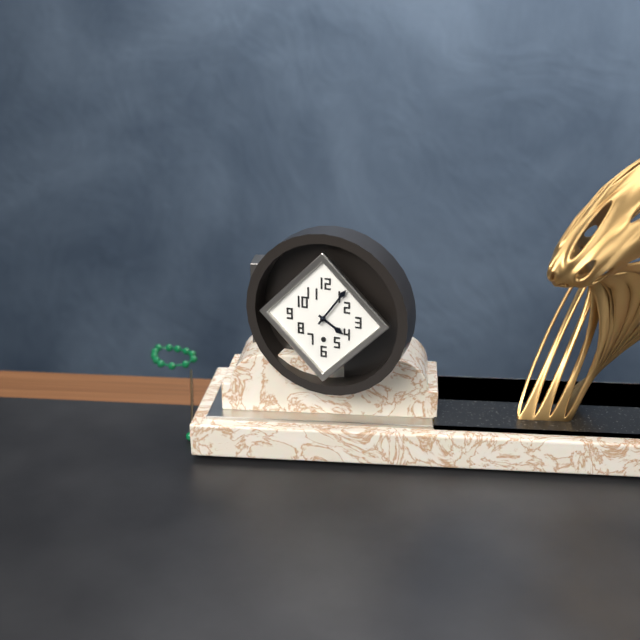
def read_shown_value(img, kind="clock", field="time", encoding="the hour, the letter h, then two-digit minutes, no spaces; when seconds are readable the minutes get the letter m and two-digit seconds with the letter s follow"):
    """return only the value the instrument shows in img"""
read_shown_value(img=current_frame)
4h06
